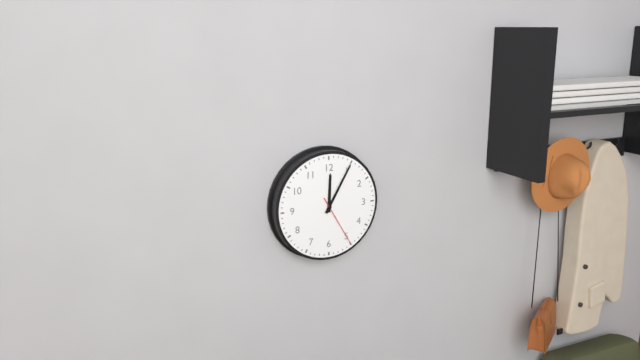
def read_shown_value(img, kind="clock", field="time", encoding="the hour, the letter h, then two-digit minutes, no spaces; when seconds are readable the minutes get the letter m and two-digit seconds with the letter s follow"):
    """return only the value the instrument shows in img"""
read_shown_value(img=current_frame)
12h05m25s
